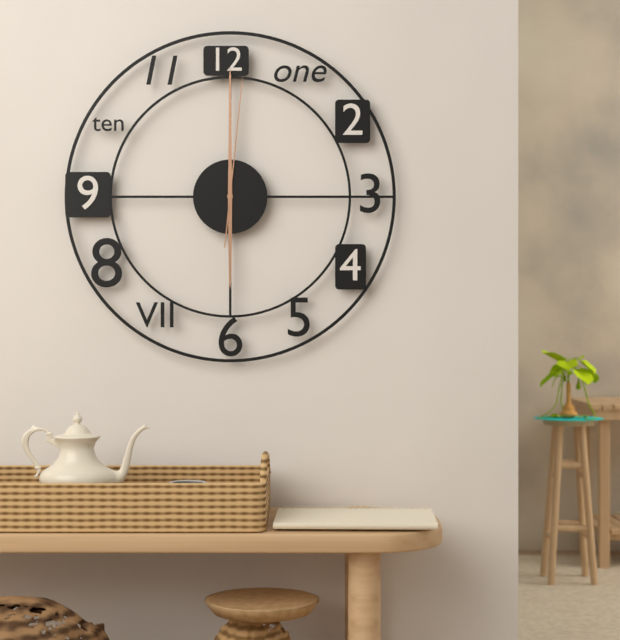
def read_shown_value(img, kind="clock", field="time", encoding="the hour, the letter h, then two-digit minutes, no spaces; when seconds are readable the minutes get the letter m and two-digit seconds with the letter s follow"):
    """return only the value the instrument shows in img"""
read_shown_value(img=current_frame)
6h00m01s
